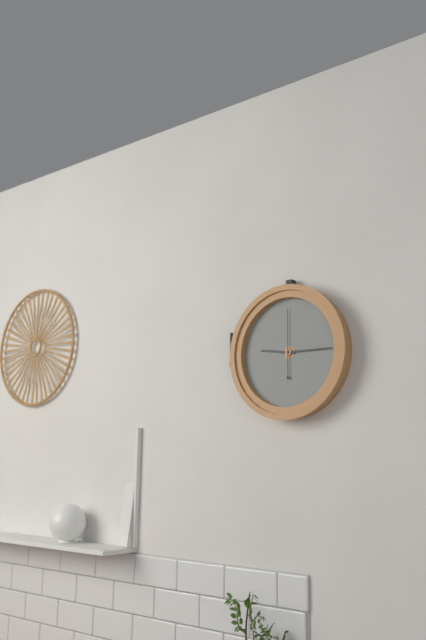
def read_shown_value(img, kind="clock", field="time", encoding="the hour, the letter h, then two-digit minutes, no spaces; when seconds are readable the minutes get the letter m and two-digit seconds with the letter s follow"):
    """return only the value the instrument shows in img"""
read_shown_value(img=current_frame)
9h15m00s
